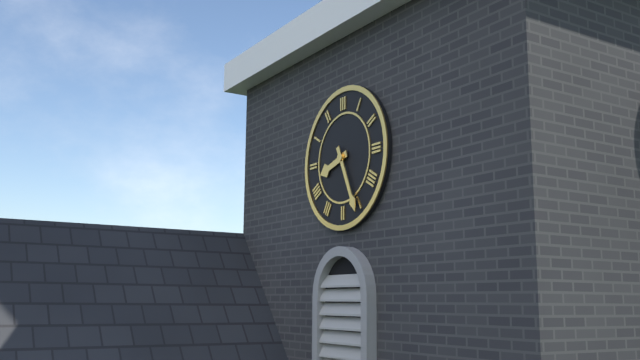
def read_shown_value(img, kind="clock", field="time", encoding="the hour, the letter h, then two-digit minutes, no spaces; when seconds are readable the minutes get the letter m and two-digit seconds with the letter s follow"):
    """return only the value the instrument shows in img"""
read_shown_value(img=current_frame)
8h26
